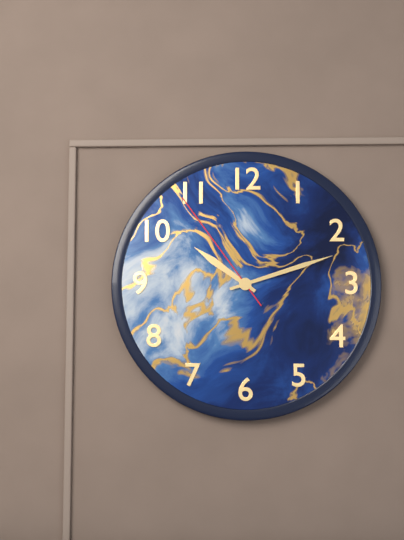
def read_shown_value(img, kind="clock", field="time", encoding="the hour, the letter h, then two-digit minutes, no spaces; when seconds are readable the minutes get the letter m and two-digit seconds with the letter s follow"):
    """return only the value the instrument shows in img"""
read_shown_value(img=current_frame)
10h12m54s
